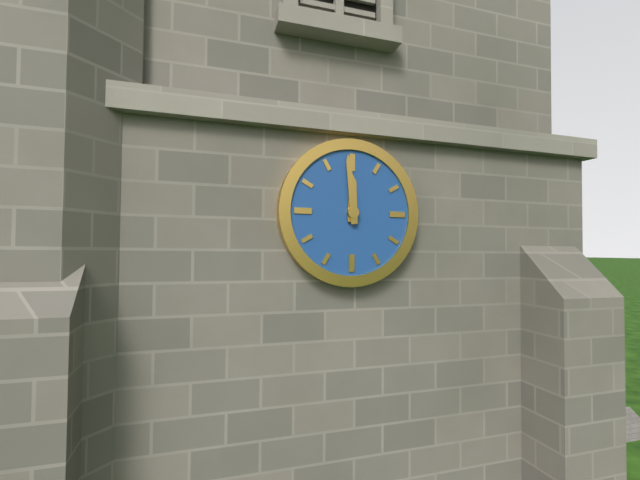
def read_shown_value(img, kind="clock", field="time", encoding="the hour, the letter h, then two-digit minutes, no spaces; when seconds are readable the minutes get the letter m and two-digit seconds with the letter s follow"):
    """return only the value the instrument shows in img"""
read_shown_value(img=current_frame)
11h59
